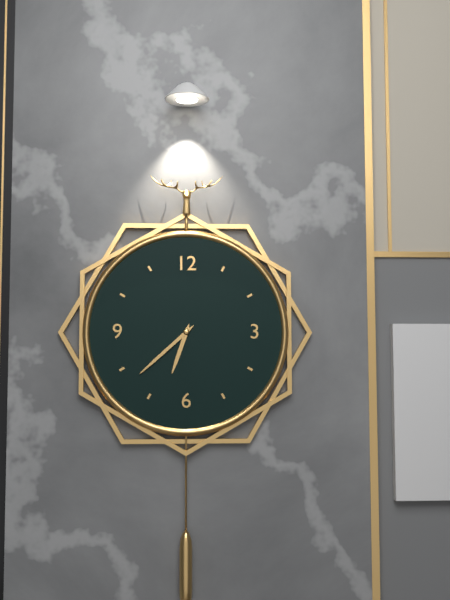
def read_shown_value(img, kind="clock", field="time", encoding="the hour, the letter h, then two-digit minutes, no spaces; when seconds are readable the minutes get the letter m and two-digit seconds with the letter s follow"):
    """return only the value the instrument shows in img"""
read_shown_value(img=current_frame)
6h38
